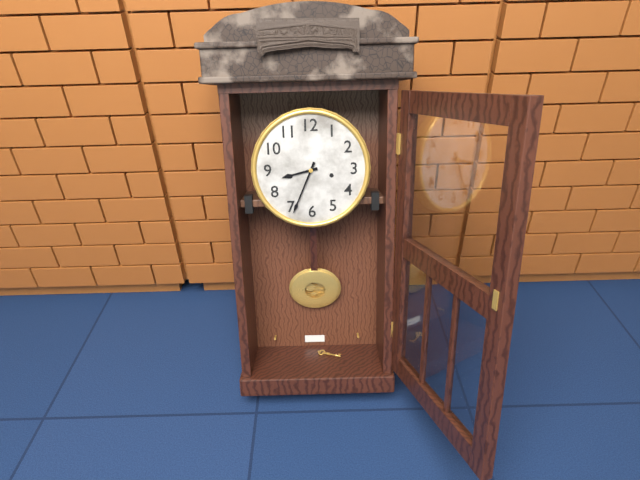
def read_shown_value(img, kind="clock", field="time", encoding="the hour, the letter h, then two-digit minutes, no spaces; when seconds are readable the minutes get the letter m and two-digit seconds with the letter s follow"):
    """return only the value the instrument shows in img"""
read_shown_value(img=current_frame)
8h34
